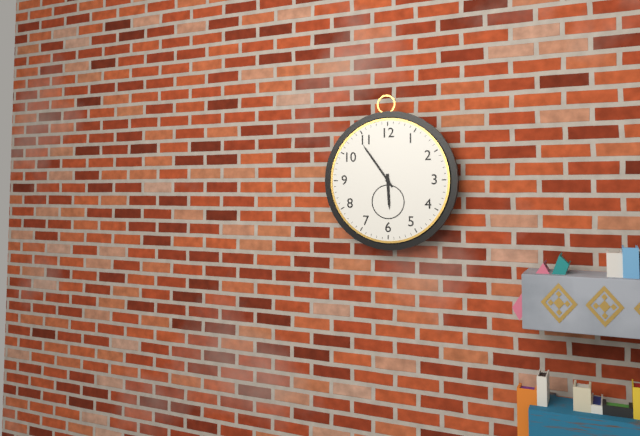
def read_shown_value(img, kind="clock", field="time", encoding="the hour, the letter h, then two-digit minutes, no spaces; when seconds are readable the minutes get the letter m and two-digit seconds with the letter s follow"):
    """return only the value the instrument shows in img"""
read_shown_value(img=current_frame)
5h54
